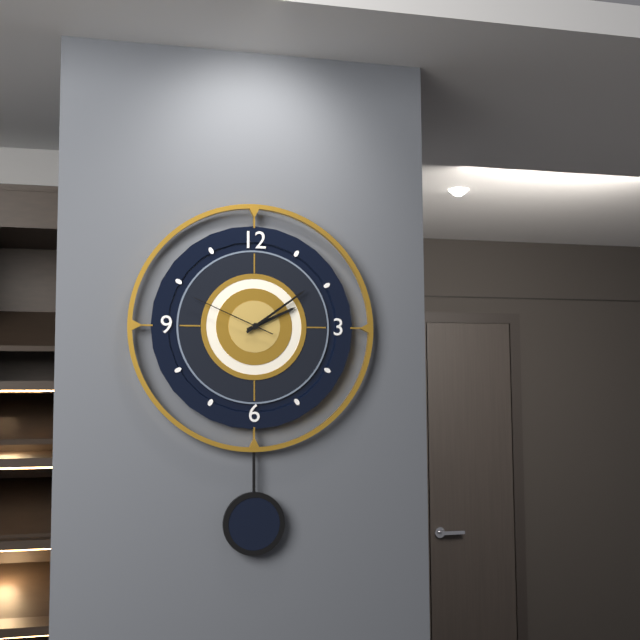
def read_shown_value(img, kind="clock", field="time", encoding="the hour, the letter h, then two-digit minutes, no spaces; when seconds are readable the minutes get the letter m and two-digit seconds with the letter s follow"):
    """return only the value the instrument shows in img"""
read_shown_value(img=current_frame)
2h09m49s
